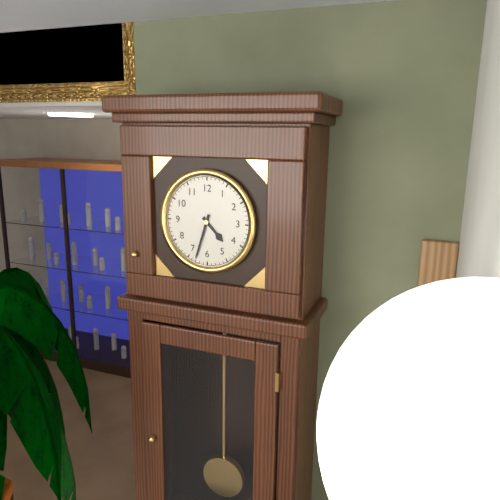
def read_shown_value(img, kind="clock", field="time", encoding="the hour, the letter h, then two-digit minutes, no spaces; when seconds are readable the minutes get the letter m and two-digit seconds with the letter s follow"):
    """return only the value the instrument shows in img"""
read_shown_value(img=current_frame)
4h33
